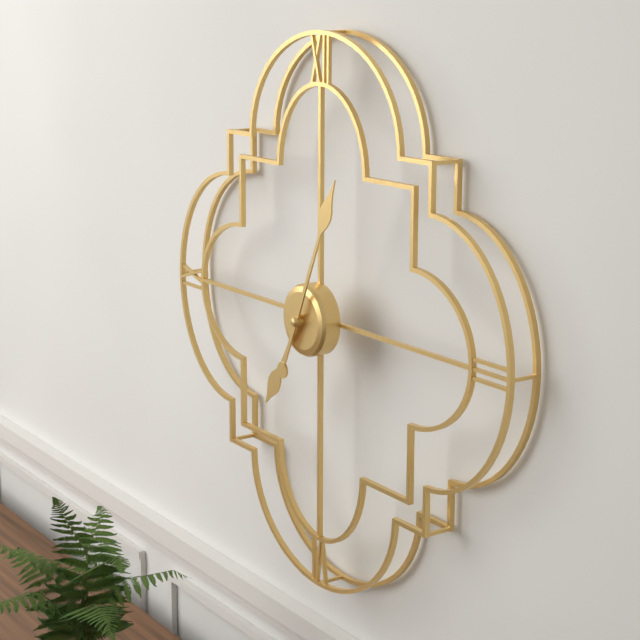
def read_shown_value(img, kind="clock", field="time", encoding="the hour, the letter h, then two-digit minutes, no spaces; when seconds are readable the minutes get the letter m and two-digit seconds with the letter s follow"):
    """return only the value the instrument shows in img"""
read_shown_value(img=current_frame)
7h04
